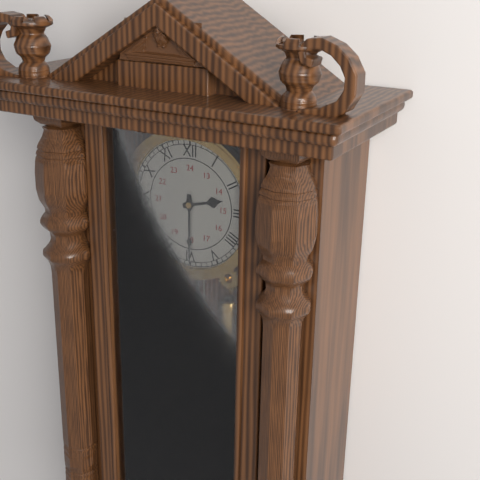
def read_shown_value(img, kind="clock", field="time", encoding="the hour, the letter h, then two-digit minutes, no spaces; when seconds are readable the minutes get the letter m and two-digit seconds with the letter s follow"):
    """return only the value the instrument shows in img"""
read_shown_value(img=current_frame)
2h30
